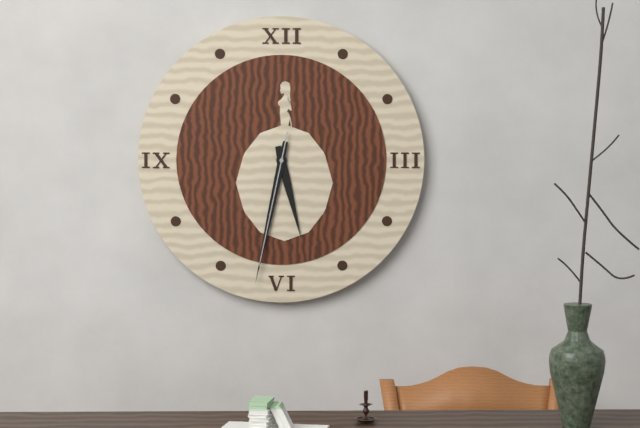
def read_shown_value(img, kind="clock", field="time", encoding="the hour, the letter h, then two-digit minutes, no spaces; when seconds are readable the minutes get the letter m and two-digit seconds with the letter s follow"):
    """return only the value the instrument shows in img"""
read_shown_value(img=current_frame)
5h32m32s
